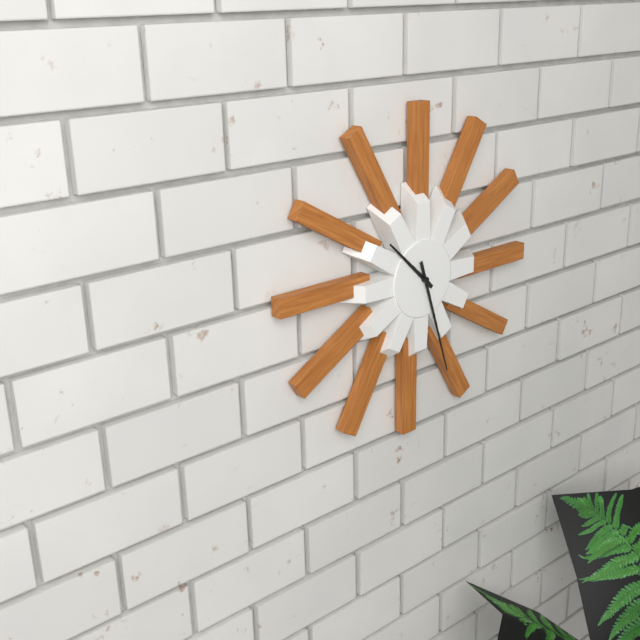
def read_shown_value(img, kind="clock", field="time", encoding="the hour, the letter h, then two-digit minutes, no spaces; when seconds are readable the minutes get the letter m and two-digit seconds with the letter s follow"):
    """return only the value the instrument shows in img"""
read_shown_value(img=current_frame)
10h27
